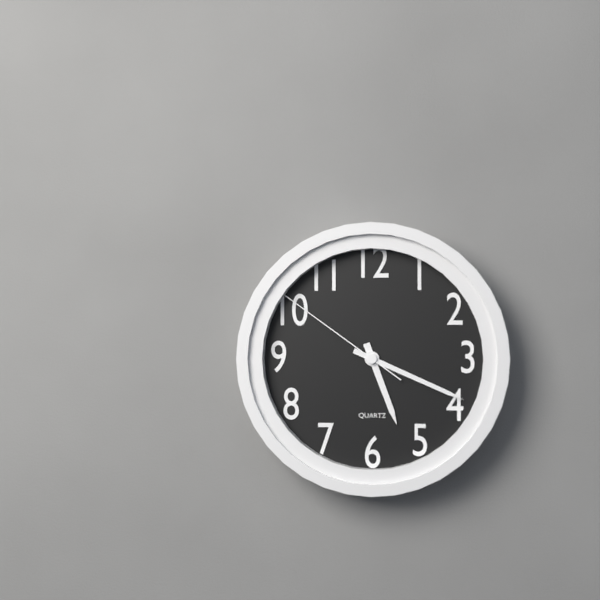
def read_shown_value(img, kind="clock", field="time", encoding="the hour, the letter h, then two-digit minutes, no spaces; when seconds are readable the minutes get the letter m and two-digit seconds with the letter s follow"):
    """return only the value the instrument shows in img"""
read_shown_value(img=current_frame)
5h19m51s
